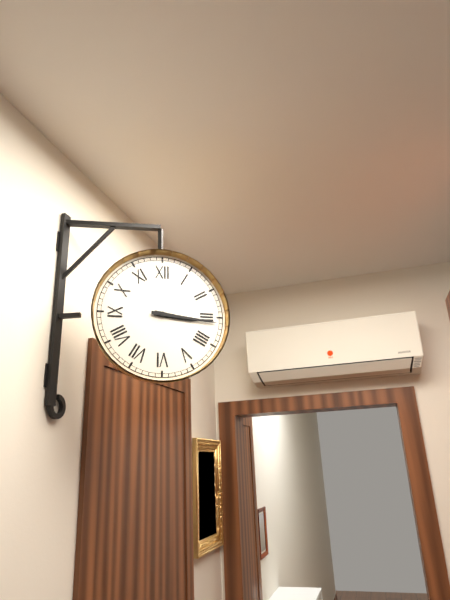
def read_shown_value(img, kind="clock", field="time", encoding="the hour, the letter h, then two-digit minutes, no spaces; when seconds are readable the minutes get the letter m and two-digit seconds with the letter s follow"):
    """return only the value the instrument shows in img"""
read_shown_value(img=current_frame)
3h16
